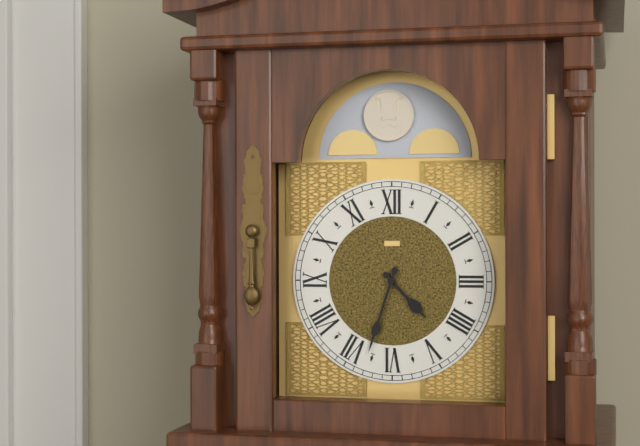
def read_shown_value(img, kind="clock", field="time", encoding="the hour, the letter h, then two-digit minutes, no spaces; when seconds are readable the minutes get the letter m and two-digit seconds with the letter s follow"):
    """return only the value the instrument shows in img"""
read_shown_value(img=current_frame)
4h33
